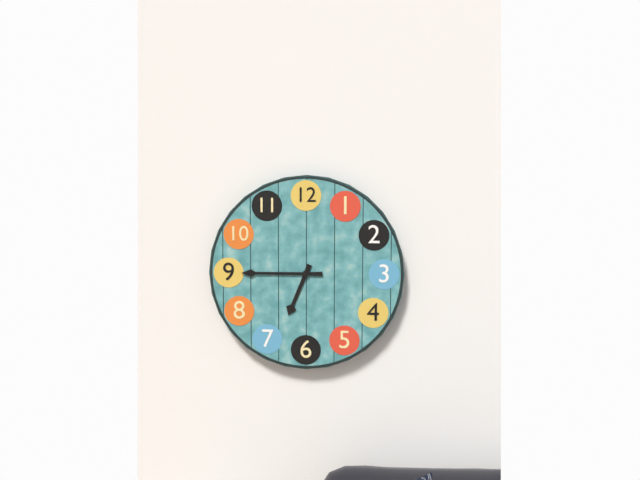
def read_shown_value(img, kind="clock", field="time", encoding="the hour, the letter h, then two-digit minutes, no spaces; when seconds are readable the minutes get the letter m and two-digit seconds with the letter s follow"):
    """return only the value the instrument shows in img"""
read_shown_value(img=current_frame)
6h45
